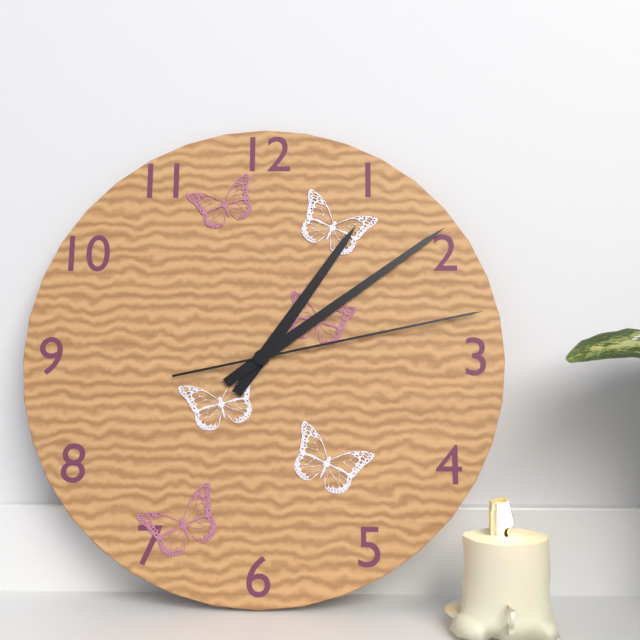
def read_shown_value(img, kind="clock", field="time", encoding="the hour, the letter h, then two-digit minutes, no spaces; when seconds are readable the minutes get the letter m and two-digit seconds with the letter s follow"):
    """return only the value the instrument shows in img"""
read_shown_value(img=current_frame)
1h09m13s
